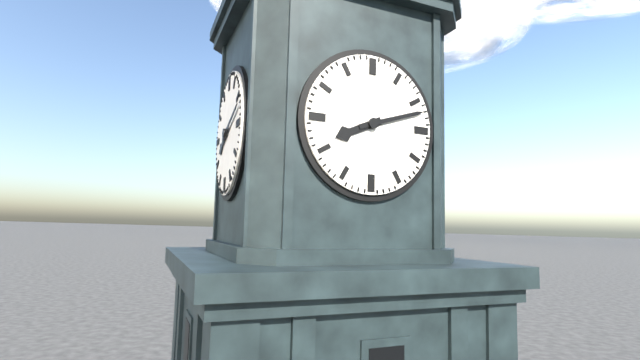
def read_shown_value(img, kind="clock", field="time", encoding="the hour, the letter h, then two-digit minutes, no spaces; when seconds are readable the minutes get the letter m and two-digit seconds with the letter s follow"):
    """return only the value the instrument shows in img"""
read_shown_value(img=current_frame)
8h12
